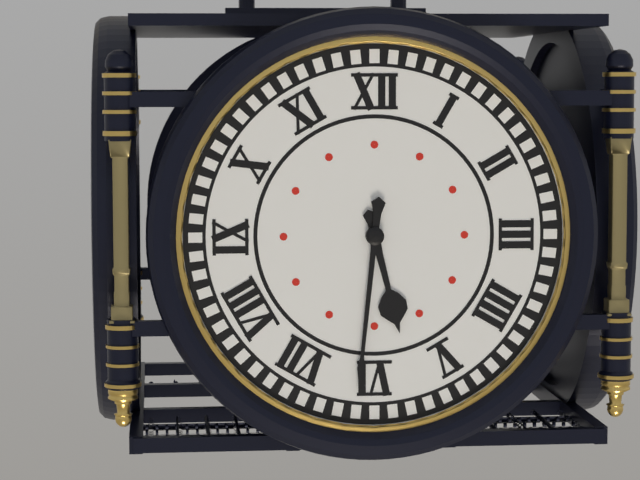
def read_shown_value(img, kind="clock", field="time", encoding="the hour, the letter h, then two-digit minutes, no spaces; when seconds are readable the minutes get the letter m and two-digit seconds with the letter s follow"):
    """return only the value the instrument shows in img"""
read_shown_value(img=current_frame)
5h31
